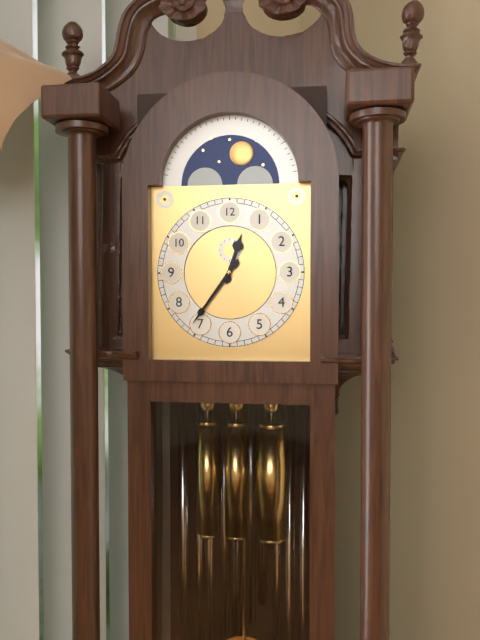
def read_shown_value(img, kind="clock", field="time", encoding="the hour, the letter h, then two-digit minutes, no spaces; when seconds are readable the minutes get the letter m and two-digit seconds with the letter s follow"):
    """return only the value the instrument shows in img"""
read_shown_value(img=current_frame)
12h36
